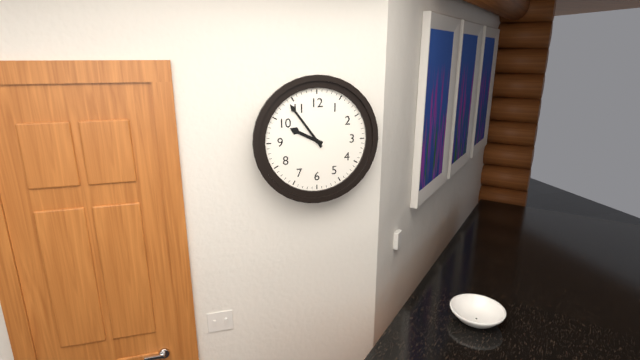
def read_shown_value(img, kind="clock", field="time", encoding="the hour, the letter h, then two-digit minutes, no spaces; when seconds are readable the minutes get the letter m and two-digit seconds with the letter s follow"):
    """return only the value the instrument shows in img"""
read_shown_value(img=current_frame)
9h54
